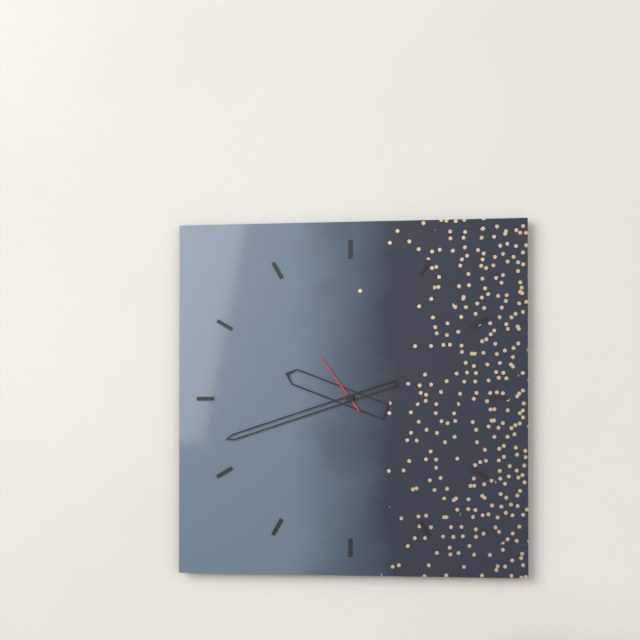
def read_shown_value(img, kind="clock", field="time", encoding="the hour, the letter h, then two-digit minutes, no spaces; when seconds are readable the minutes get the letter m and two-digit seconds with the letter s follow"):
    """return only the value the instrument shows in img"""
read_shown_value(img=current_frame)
9h42m54s
